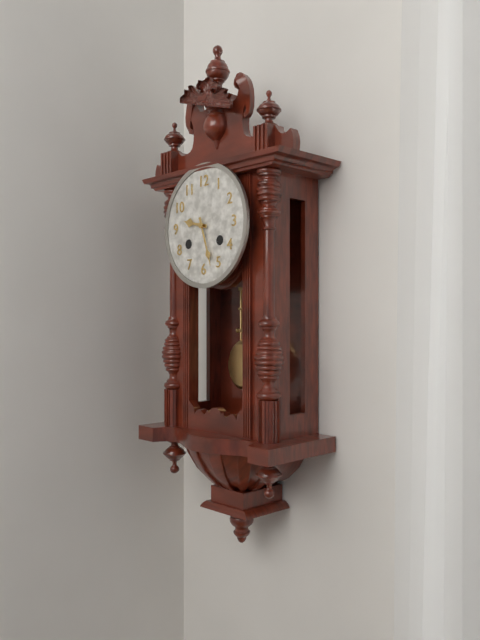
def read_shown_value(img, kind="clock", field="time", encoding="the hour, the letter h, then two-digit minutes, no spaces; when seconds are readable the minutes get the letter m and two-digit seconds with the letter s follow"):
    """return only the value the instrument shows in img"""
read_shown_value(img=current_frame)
9h27
